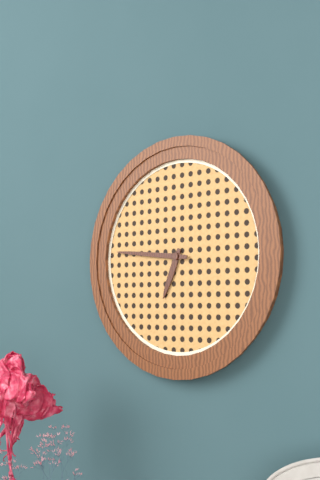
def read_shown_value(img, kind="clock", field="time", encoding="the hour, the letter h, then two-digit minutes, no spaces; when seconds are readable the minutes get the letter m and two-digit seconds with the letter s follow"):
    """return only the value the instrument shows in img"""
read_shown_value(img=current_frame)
6h46
